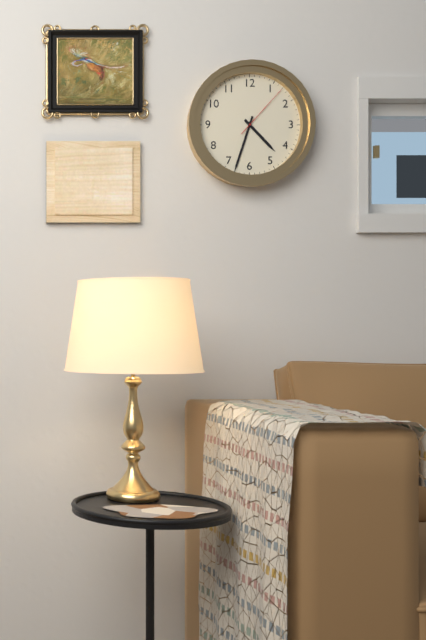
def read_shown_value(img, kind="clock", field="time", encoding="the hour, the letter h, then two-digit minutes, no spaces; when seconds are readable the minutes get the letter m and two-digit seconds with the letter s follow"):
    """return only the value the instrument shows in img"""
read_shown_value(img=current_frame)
4h33m07s
